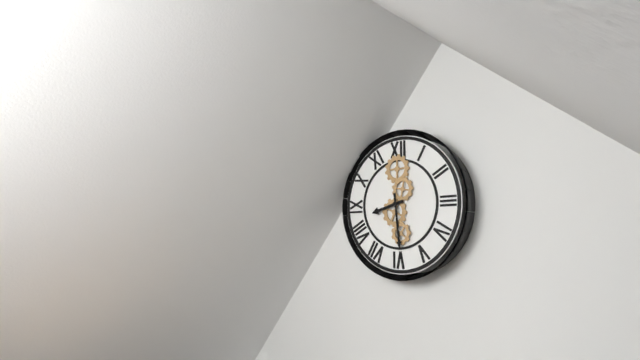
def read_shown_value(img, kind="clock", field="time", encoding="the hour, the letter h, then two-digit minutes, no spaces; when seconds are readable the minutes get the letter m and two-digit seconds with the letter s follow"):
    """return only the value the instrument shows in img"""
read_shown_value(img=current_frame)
8h29
